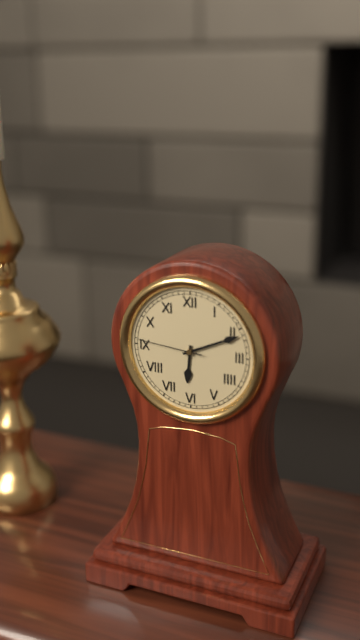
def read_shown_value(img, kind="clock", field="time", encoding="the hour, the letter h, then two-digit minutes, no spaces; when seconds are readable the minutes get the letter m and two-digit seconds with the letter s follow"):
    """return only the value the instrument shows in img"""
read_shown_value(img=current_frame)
6h11m46s
